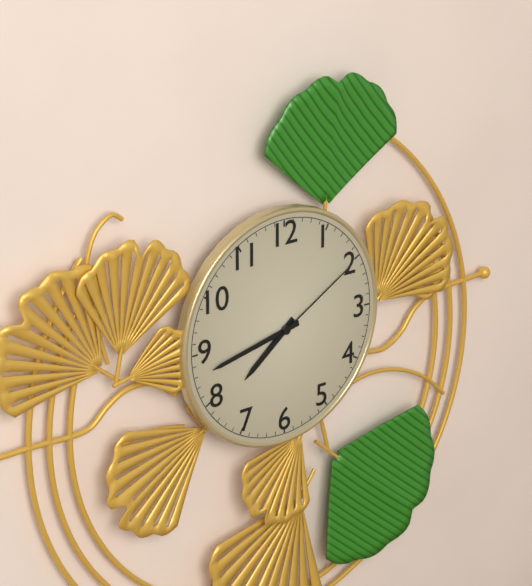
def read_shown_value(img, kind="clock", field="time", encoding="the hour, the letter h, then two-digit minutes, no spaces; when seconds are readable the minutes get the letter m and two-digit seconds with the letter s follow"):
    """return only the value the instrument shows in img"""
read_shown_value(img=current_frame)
7h43m10s
